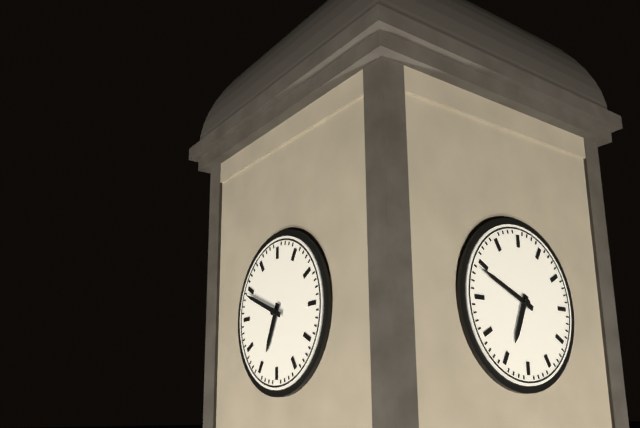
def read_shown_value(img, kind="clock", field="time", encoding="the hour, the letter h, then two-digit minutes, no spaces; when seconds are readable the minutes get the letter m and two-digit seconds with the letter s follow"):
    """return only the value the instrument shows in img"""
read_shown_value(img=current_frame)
6h49
